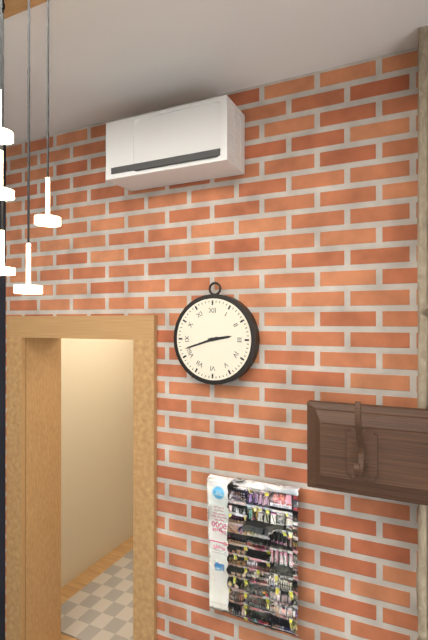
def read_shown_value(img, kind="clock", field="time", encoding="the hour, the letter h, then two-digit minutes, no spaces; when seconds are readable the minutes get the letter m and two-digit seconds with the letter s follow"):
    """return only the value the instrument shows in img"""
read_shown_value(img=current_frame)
2h42
